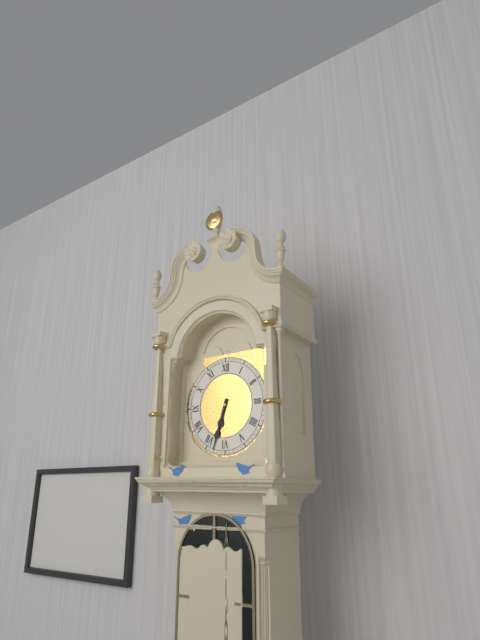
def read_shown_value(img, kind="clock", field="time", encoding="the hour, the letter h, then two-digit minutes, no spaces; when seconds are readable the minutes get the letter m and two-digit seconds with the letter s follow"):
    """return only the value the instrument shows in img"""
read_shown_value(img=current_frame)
6h33
